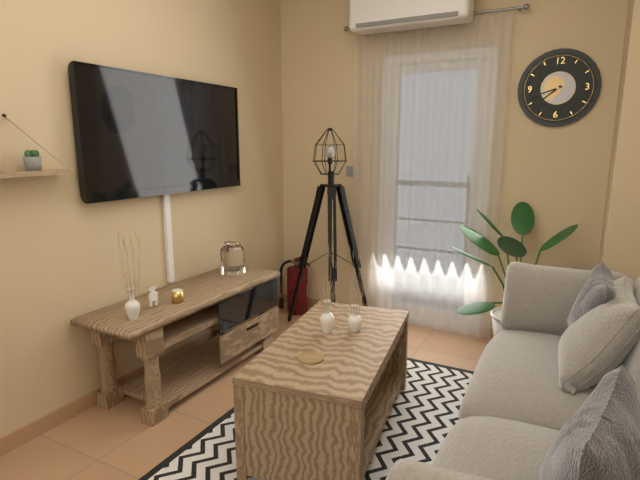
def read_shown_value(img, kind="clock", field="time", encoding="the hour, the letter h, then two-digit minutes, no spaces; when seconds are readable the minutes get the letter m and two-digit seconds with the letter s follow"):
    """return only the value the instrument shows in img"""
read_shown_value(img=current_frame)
7h42
